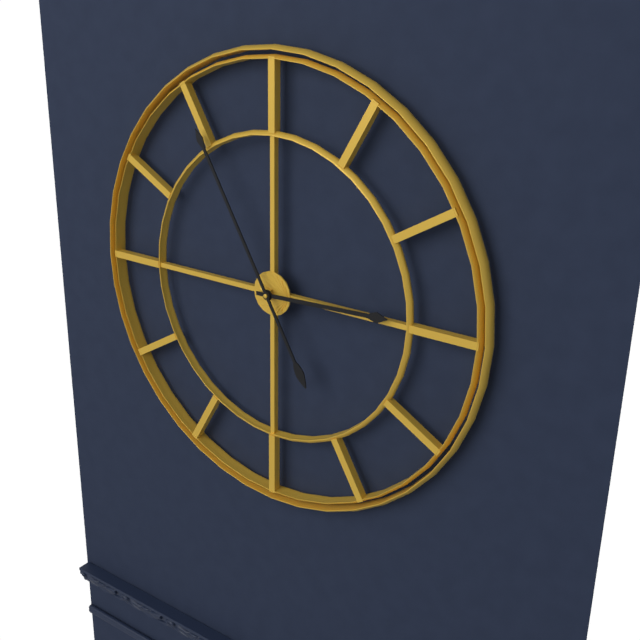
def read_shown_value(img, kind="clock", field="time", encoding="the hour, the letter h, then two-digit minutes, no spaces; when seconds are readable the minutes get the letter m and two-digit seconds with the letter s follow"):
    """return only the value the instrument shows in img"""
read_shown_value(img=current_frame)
2h55
